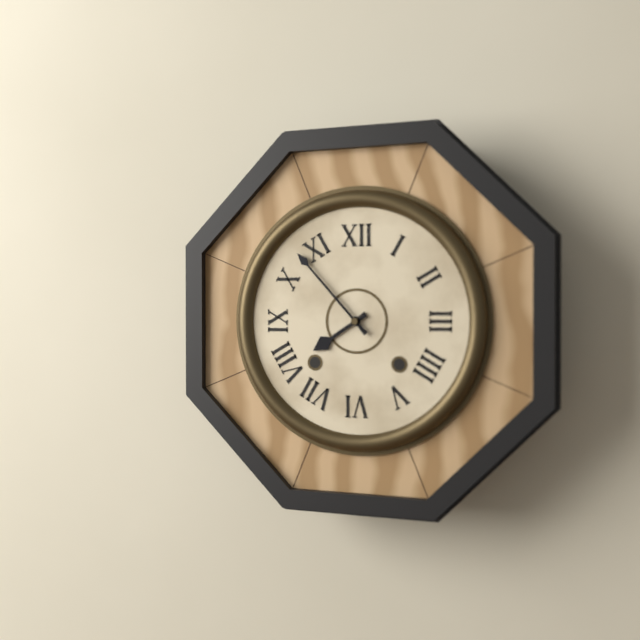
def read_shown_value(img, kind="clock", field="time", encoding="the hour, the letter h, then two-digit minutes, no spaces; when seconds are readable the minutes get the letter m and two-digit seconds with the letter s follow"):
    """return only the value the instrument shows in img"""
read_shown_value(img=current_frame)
7h53
